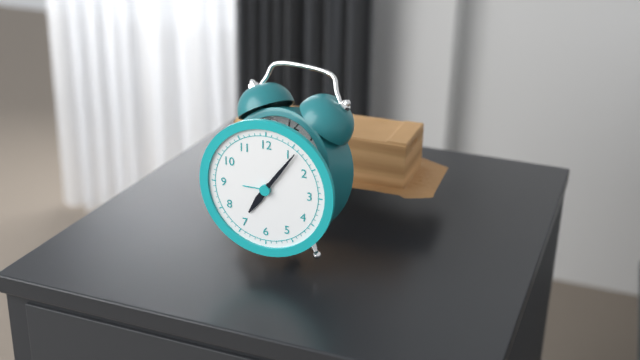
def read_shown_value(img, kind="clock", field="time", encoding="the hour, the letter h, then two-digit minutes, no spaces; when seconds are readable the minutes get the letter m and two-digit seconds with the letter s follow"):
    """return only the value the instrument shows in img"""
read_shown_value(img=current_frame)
7h06
